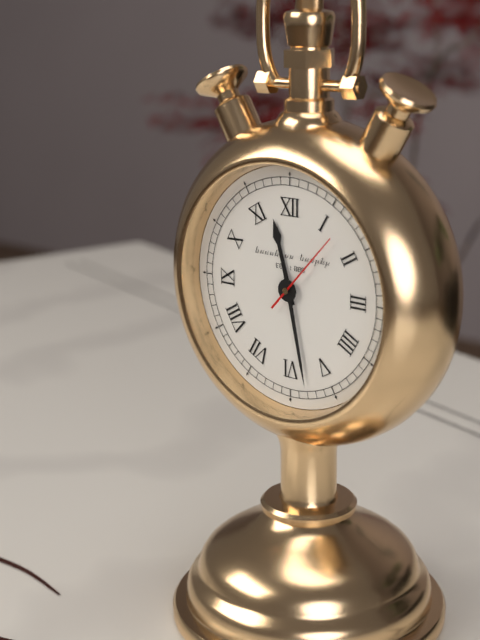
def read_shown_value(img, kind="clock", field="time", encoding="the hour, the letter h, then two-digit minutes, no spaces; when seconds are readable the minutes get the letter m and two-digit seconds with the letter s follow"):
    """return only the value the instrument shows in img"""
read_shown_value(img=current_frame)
11h28m07s
